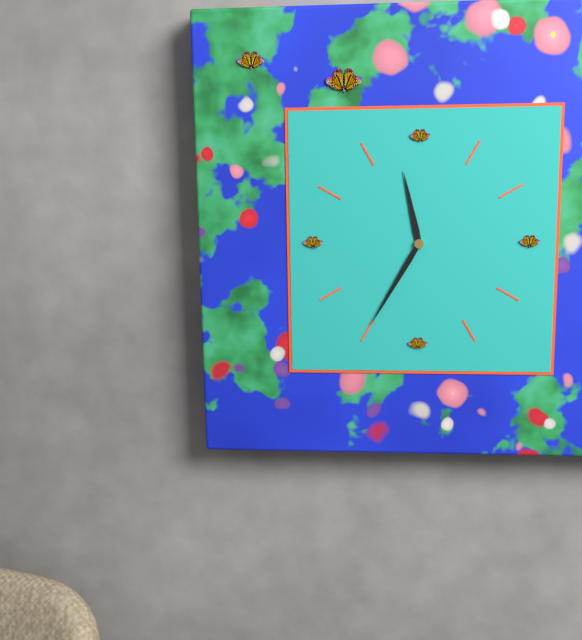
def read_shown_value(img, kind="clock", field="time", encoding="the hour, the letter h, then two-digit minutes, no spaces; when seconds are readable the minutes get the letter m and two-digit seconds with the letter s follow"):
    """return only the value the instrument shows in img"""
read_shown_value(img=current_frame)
11h35
